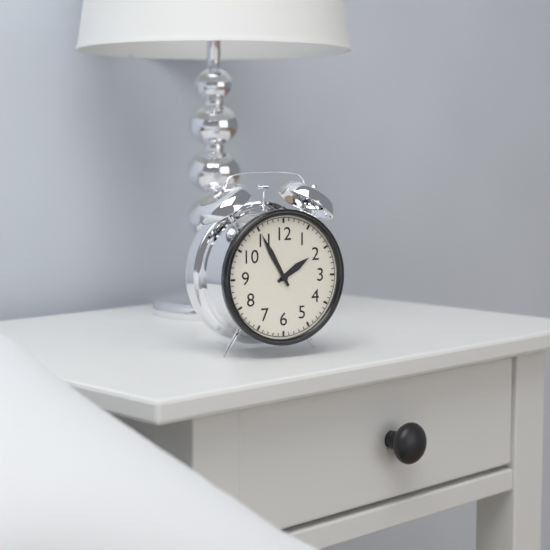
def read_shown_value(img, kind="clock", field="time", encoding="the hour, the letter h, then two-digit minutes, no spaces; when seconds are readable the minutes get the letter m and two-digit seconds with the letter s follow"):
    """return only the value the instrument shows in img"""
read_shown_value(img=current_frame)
1h55
